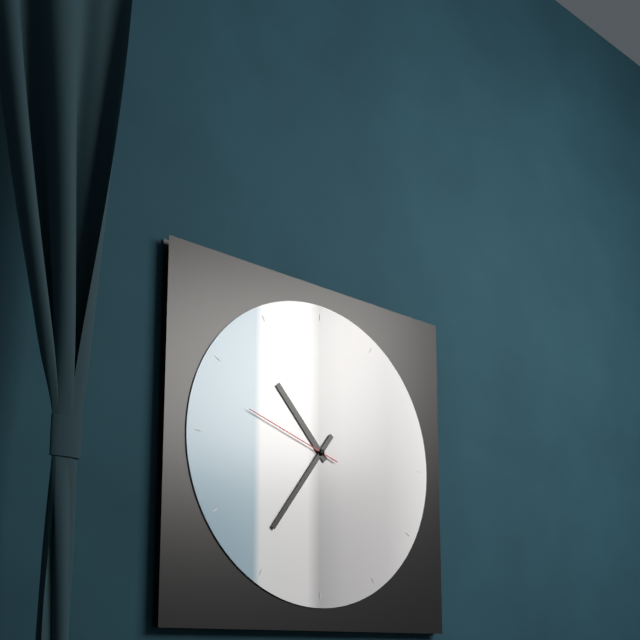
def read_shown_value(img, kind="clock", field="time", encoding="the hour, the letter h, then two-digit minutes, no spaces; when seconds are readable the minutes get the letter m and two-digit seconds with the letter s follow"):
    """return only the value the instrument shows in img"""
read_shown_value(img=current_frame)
10h36m48s
